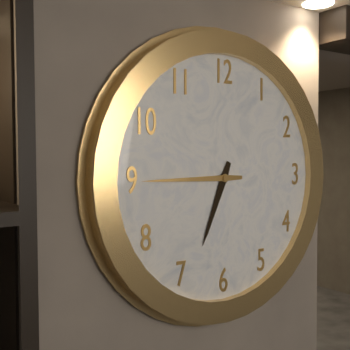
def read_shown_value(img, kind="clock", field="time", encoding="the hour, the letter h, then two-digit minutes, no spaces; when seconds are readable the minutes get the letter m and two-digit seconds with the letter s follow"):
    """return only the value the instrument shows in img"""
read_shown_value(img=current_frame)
6h45
